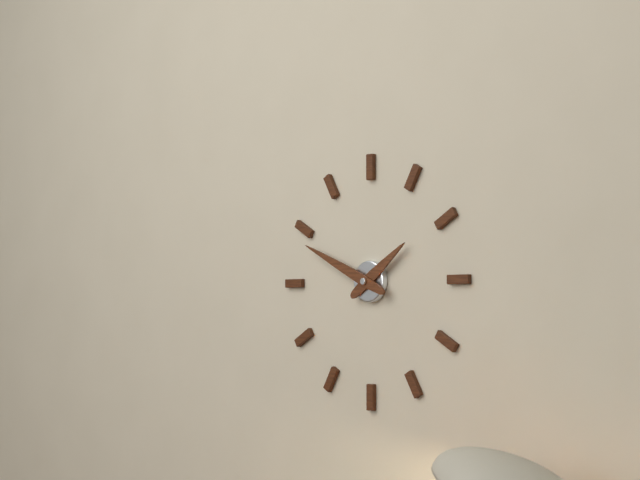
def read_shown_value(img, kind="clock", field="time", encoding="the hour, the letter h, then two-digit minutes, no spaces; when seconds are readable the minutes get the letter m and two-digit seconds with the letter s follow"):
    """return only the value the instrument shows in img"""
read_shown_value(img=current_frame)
1h49
